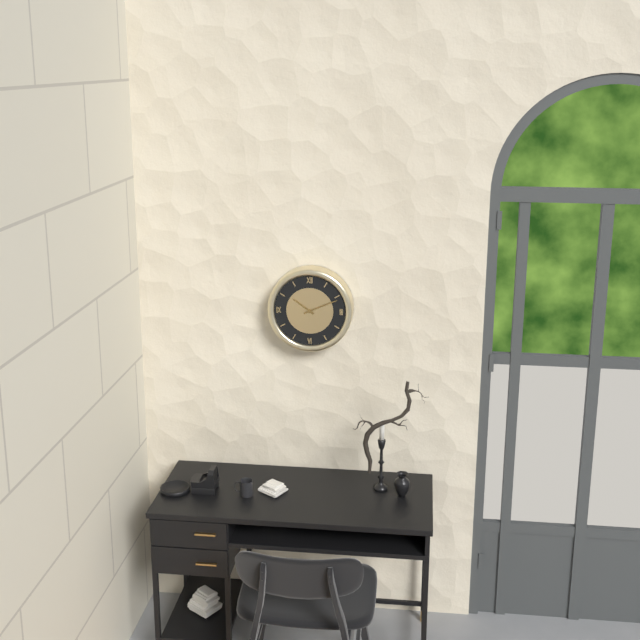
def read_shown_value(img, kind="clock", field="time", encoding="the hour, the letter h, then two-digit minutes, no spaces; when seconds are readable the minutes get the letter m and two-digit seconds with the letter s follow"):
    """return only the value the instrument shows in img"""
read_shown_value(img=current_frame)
10h11
